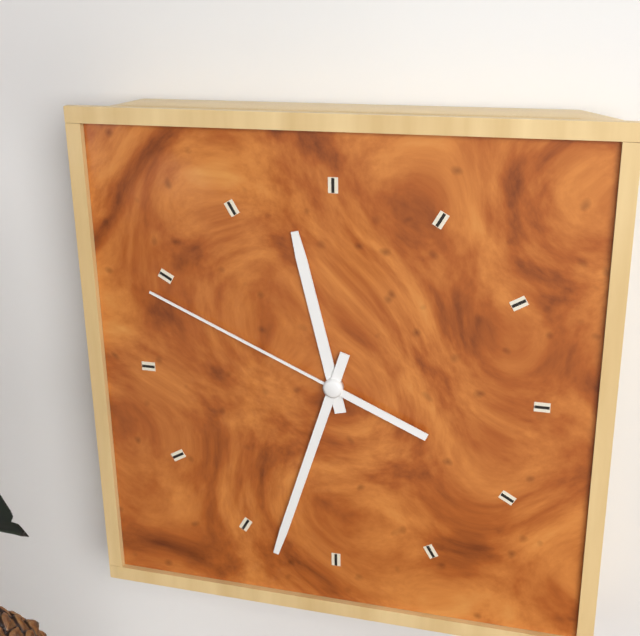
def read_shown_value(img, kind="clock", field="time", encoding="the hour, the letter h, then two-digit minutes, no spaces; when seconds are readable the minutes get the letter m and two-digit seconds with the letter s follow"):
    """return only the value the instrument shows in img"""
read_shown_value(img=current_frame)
11h33m49s
